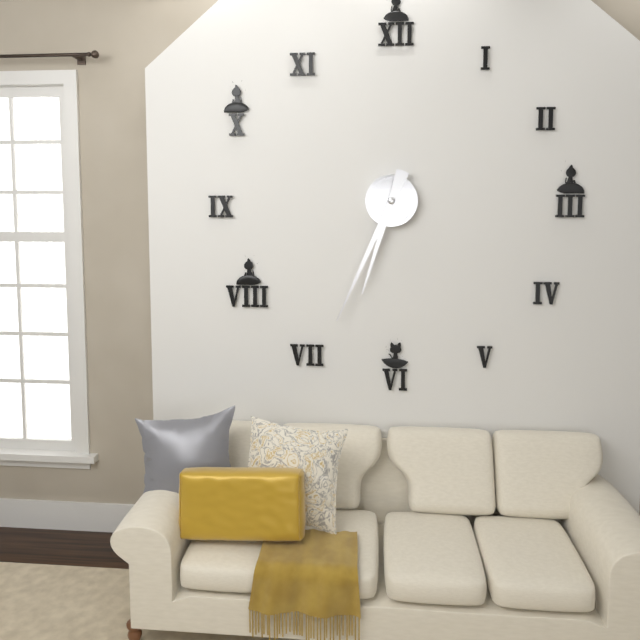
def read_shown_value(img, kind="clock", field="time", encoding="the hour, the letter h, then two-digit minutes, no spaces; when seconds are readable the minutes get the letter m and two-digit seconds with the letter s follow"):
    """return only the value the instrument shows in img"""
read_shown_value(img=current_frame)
6h34
